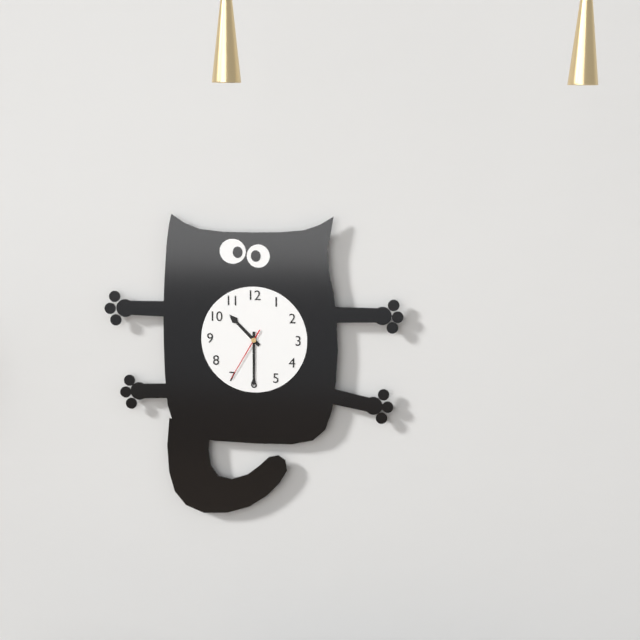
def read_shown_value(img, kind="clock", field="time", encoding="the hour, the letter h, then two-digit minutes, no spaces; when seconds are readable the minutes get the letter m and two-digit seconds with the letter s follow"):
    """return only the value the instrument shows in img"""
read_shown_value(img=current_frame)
10h30m35s
